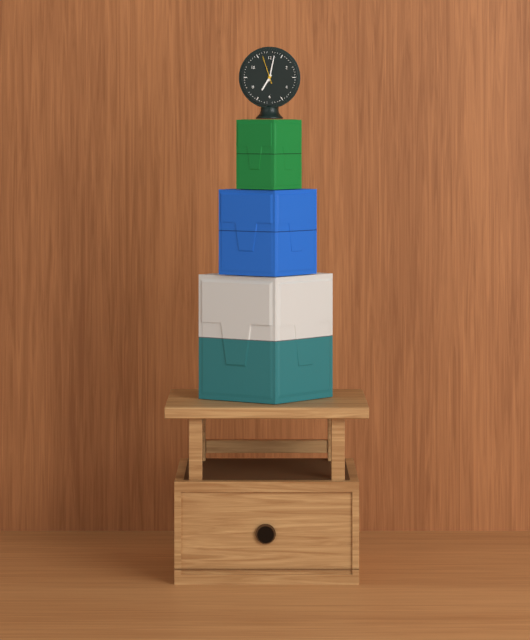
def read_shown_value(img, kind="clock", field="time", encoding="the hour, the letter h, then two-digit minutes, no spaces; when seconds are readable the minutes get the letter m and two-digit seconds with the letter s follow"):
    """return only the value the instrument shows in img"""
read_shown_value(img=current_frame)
7h02
